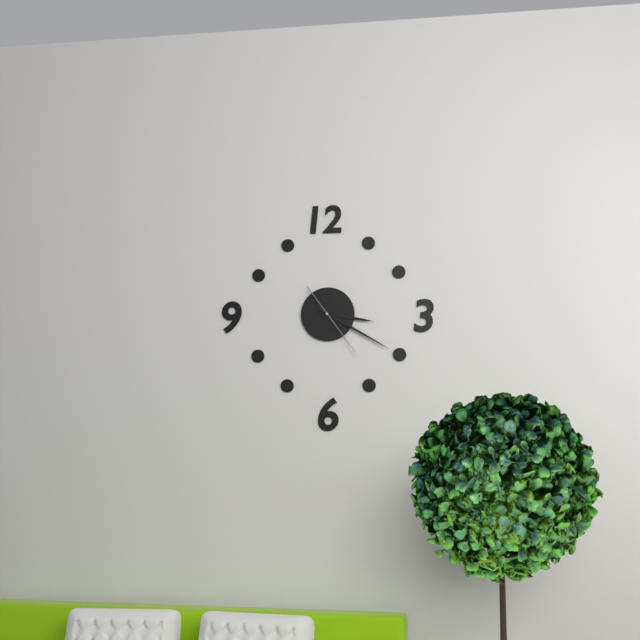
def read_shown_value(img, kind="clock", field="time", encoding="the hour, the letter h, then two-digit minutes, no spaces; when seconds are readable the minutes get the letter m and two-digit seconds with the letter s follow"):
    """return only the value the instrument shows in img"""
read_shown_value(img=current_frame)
3h20m24s
